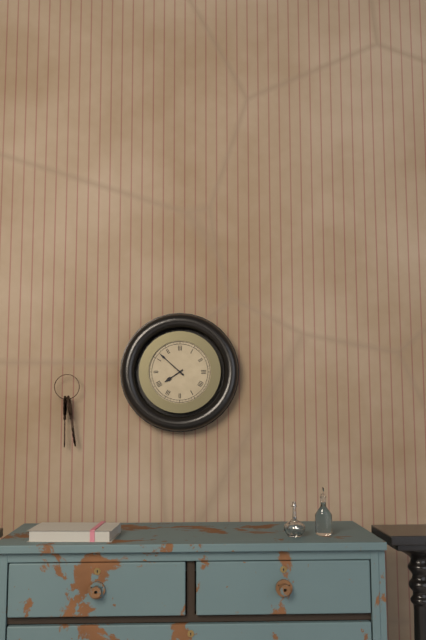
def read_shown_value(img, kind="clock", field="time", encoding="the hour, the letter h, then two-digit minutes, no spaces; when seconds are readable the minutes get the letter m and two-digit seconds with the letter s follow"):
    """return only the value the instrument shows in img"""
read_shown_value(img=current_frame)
7h52
